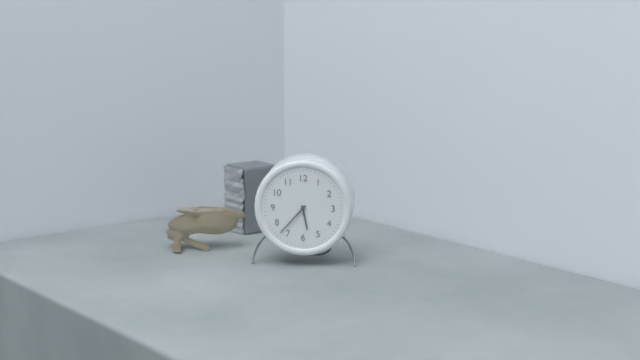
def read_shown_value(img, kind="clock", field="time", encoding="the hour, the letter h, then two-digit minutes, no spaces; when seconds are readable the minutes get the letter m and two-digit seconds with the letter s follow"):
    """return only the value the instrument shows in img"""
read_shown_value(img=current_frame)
5h37
